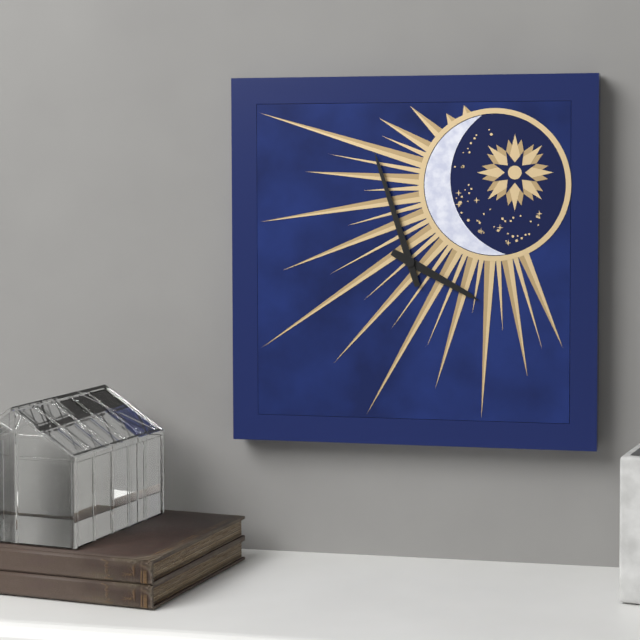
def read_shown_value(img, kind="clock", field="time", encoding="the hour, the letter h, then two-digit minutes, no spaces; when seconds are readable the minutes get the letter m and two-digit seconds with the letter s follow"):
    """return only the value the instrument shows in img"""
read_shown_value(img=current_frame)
3h57
